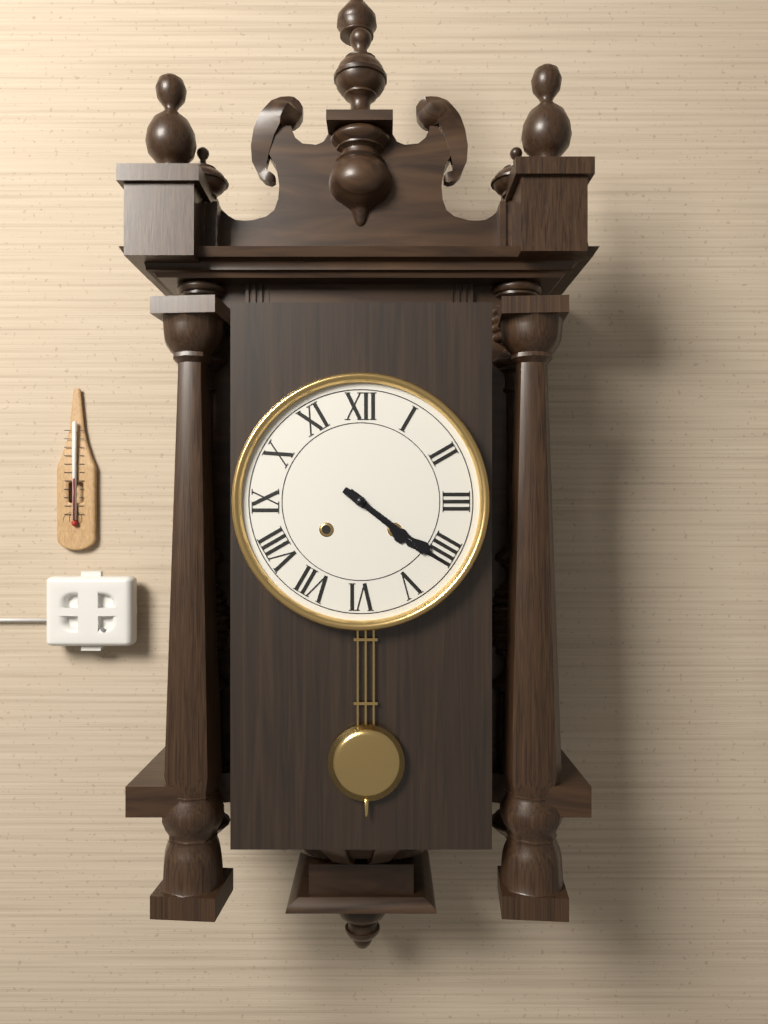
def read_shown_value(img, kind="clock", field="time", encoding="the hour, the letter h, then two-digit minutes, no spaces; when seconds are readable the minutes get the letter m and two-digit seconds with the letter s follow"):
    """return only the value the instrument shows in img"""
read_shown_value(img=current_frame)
4h21
